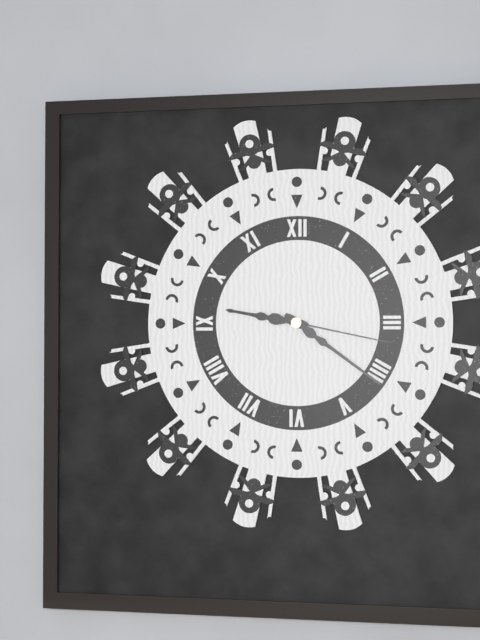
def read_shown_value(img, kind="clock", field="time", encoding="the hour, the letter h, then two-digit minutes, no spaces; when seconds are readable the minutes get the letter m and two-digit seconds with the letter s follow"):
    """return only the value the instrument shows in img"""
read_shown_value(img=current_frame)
9h21m17s
